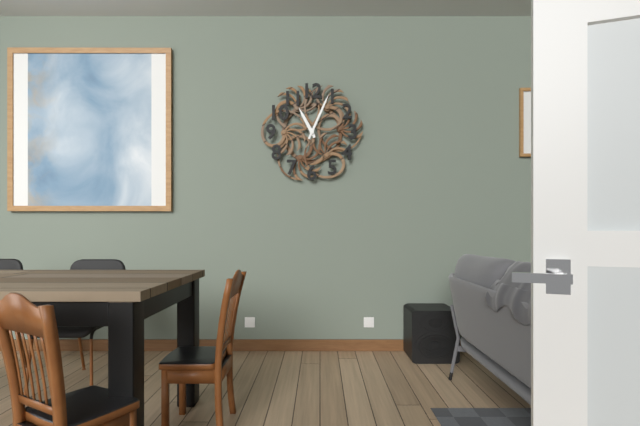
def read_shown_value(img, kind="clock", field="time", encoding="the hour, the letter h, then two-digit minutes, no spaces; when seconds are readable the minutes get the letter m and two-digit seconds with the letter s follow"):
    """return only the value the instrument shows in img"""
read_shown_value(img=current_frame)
11h04
